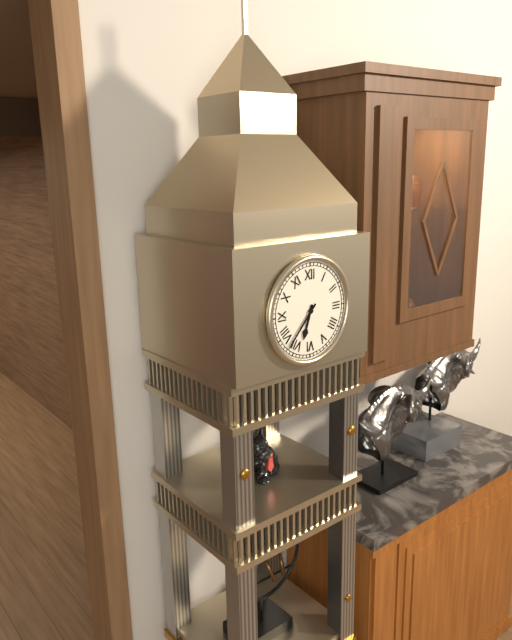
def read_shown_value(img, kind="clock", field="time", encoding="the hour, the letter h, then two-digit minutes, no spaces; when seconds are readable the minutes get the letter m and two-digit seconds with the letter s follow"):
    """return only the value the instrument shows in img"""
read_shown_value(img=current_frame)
6h37
